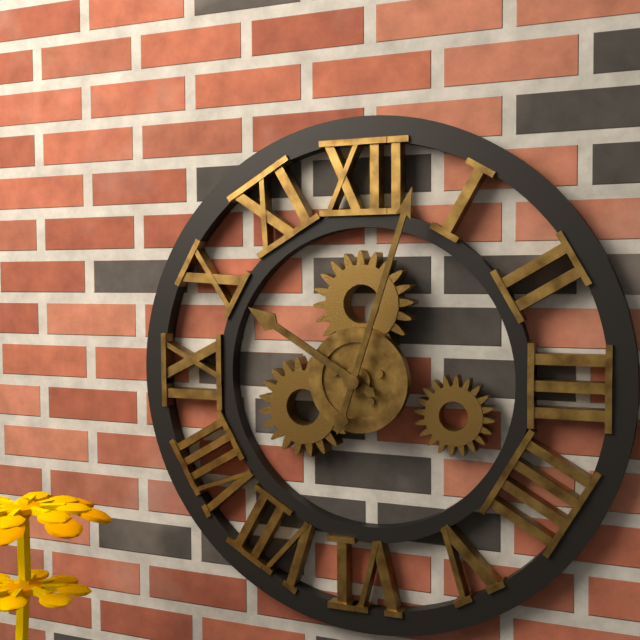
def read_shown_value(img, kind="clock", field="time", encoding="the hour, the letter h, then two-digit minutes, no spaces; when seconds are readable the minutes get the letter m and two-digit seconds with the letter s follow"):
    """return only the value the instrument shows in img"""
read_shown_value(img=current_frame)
10h03
